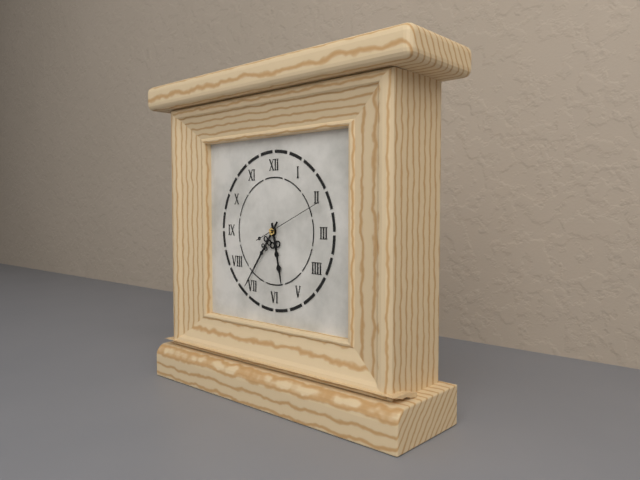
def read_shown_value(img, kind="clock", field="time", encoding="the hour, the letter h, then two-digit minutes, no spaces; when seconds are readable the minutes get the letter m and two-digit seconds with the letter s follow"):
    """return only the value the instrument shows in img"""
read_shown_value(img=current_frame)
5h36m11s
